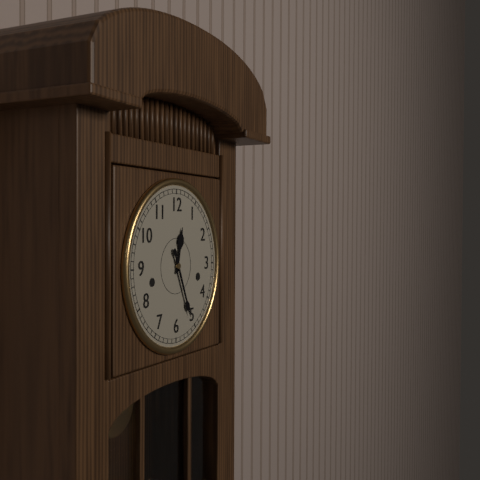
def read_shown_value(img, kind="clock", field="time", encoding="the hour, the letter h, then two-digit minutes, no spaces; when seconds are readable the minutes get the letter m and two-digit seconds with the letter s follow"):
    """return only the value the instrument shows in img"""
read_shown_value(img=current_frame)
12h26
